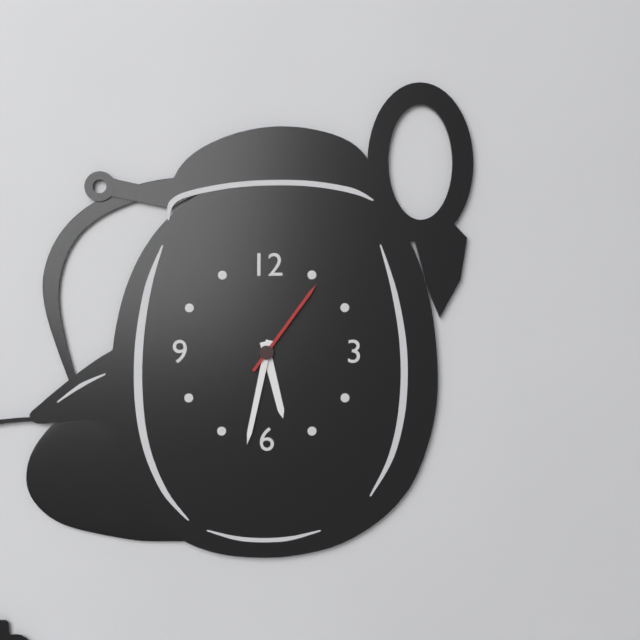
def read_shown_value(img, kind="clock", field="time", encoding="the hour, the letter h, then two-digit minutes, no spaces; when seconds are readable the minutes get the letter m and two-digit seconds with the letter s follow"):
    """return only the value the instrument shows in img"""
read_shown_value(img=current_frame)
5h32m06s
